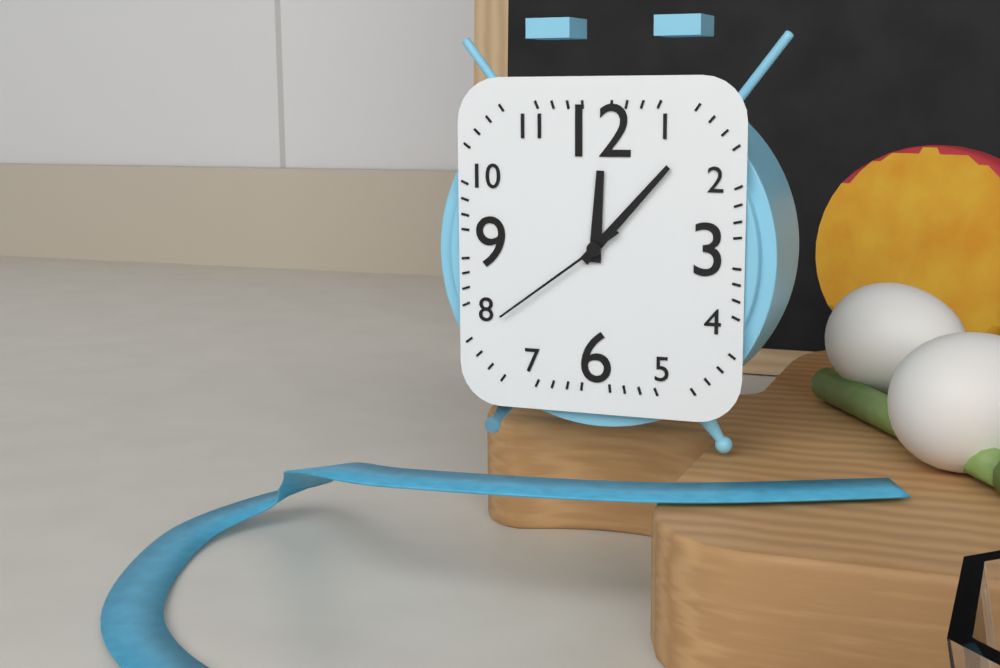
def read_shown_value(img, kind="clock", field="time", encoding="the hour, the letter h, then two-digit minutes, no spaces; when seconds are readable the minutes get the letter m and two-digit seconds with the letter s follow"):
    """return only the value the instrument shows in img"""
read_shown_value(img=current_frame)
12h07m39s
